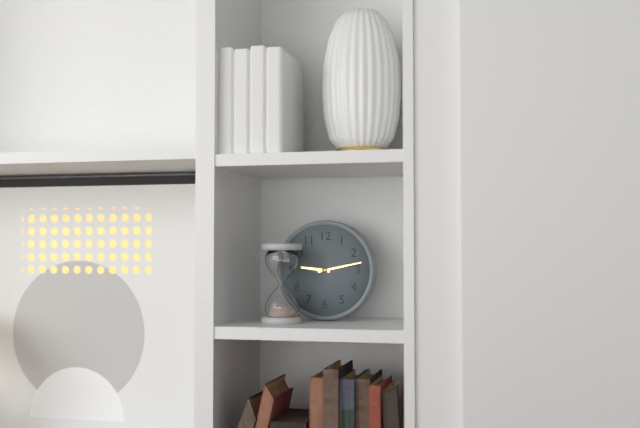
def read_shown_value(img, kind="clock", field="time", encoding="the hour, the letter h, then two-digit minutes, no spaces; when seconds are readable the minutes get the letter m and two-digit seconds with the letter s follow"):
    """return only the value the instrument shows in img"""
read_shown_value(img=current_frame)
9h13
